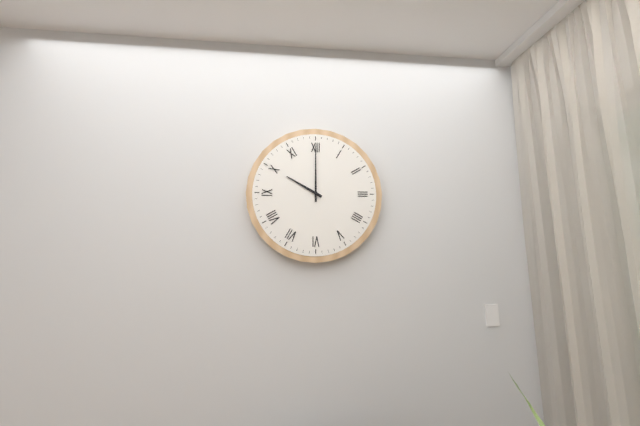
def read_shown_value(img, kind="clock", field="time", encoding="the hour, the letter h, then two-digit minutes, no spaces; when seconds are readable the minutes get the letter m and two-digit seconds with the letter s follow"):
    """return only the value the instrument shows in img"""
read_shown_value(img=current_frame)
10h00
